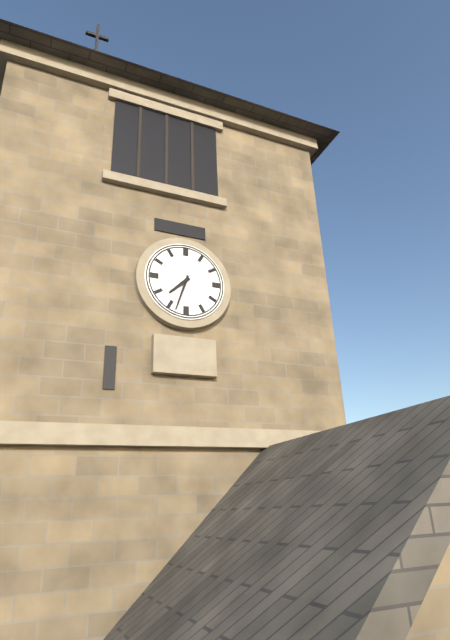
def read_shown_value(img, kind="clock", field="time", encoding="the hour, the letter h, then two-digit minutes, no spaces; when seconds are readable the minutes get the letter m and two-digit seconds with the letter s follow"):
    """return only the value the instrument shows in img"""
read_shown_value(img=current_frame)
7h33
